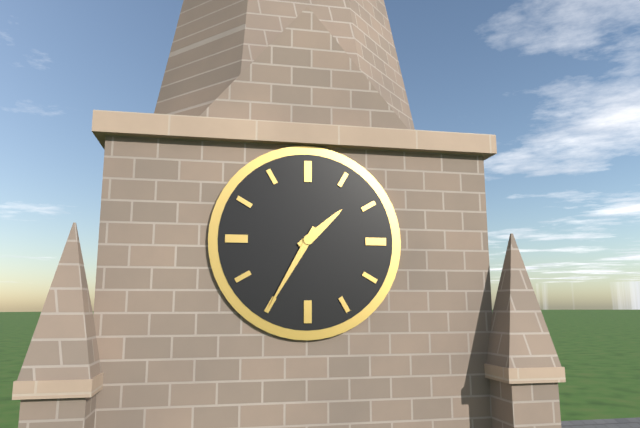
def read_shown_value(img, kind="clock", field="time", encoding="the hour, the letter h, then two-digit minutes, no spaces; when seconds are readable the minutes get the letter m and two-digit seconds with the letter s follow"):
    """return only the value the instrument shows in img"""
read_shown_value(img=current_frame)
1h35
